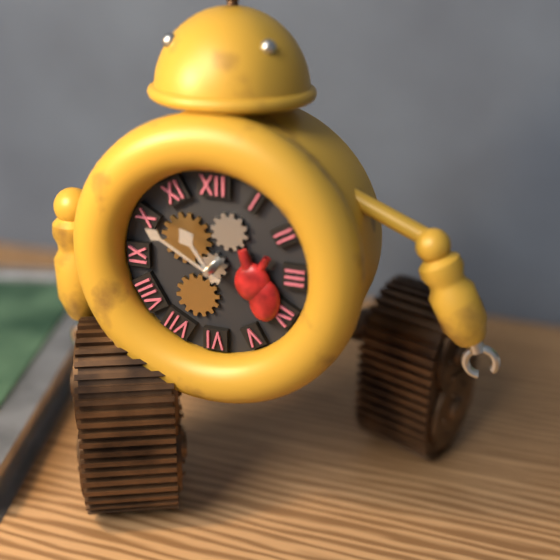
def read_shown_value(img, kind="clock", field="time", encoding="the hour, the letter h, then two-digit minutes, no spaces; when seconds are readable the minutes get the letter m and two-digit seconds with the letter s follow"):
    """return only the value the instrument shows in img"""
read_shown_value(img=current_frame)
10h50
